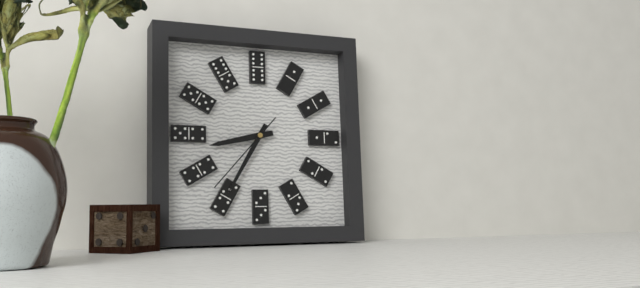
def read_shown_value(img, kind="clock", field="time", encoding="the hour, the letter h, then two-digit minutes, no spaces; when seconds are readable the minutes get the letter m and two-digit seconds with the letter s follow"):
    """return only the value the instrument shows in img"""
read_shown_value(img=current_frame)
8h35m37s
